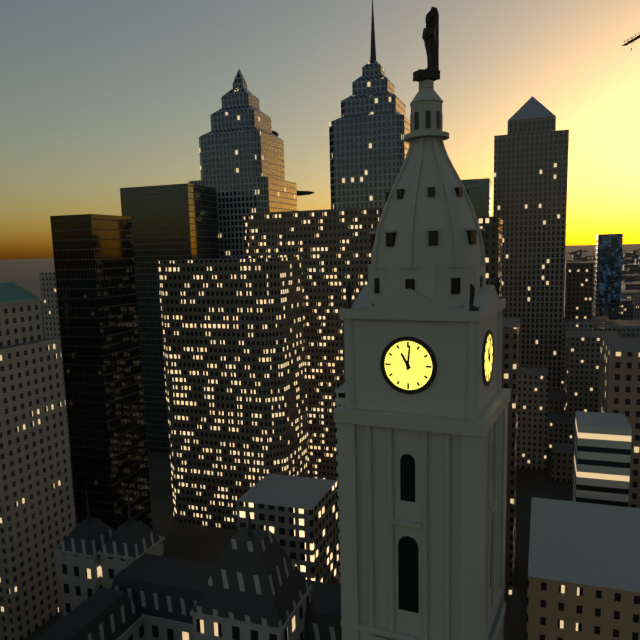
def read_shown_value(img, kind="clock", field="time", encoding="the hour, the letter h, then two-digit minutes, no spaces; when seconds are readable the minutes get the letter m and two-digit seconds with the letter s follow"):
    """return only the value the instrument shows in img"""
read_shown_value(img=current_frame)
11h01
